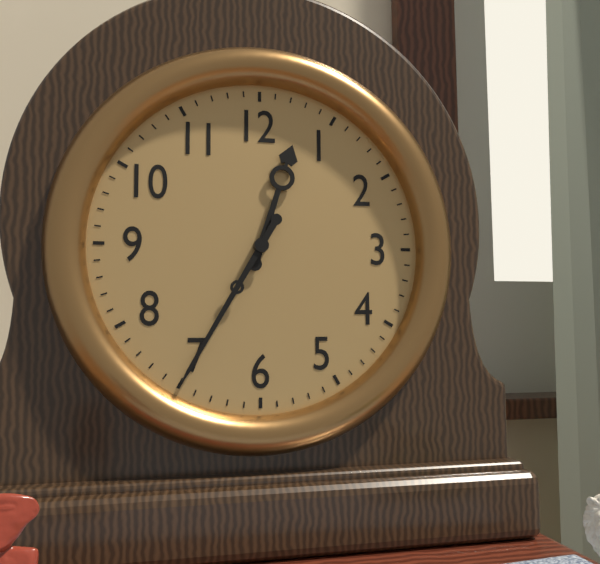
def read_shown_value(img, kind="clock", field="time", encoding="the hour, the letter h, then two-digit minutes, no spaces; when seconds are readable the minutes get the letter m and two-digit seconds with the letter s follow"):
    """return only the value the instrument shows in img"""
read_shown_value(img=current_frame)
12h35
